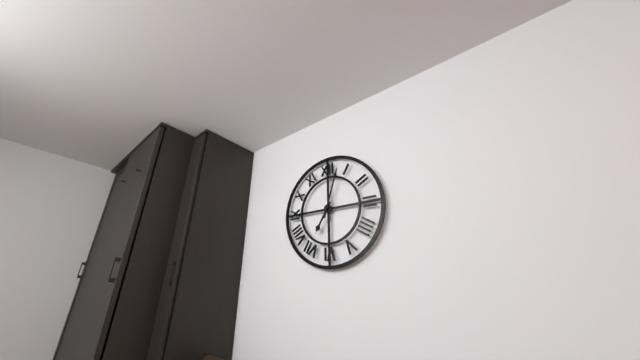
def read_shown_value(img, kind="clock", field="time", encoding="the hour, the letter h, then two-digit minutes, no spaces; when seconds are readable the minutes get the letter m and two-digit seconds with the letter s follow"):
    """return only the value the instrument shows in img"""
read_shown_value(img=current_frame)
7h03
